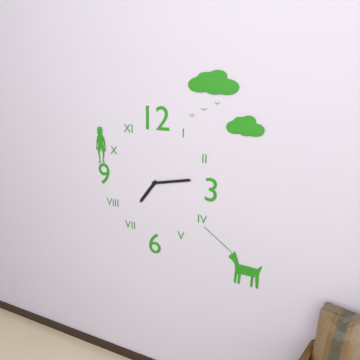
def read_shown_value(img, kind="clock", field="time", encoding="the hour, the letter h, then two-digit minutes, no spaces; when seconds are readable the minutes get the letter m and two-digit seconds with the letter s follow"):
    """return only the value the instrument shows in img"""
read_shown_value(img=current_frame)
7h13
